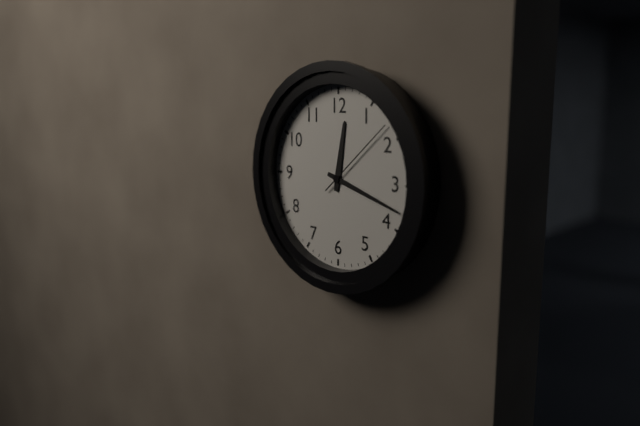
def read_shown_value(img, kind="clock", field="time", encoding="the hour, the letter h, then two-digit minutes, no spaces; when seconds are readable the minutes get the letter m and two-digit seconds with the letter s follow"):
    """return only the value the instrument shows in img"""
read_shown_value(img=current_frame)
12h18m08s
